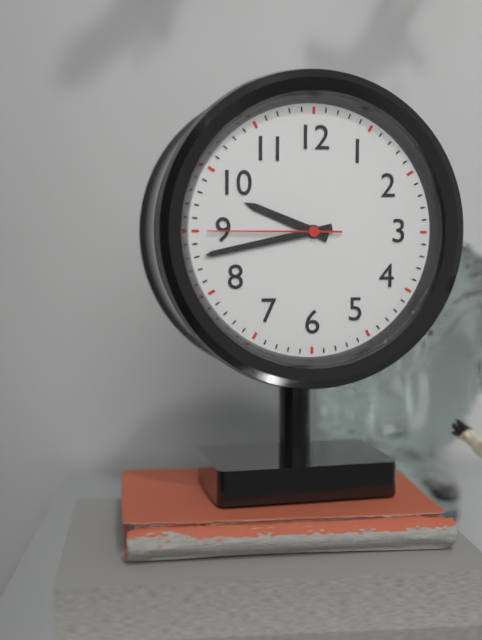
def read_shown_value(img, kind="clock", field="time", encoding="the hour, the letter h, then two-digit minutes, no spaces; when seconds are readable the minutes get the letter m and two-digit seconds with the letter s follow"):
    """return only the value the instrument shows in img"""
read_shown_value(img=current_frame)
9h43m45s
